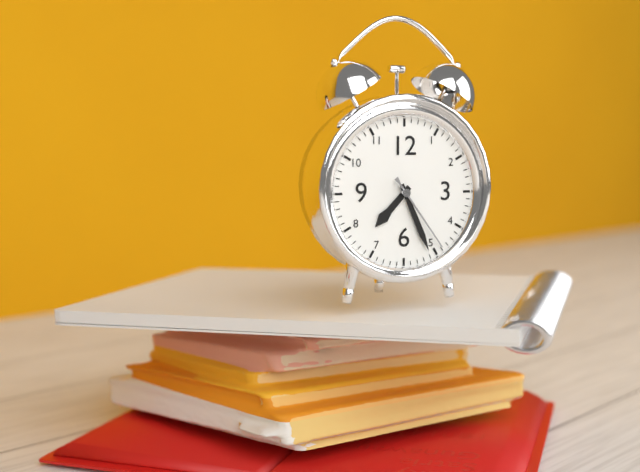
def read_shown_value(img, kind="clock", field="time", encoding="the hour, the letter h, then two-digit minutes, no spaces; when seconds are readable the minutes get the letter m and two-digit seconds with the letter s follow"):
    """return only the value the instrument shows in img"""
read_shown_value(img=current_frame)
7h26m24s
